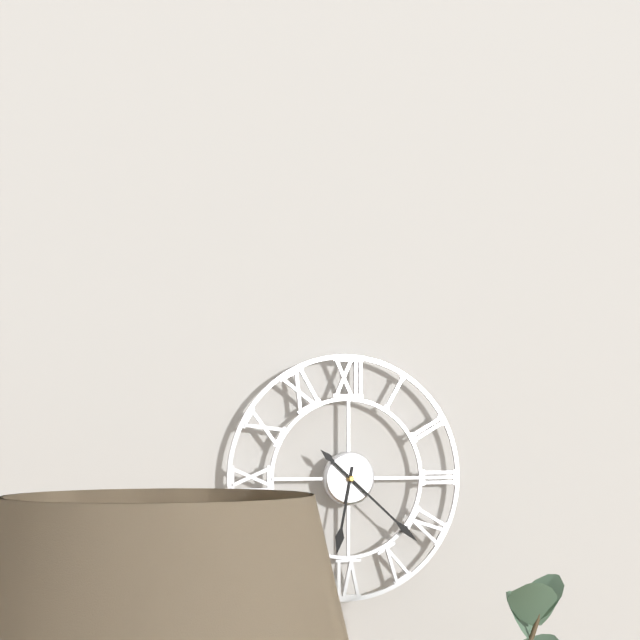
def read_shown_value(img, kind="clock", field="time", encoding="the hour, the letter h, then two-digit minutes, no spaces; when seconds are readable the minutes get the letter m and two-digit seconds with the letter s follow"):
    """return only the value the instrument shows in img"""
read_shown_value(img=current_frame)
6h22
